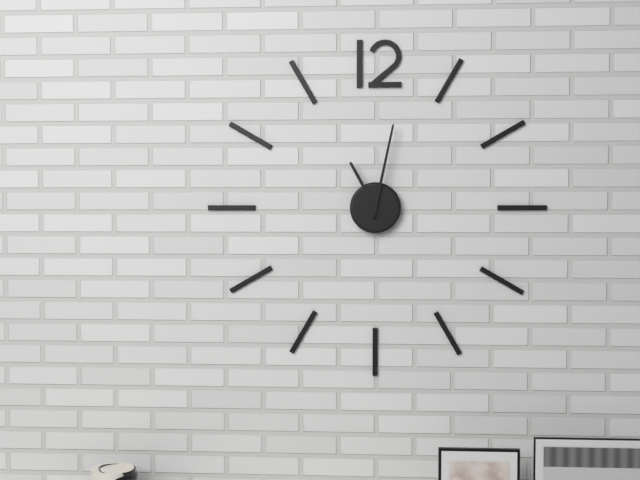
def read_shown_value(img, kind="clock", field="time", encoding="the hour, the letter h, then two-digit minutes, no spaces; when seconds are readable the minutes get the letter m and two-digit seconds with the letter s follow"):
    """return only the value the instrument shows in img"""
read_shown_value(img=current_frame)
11h02
